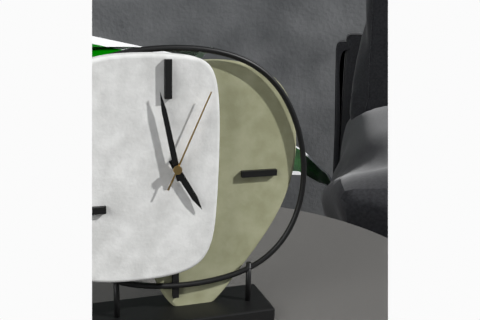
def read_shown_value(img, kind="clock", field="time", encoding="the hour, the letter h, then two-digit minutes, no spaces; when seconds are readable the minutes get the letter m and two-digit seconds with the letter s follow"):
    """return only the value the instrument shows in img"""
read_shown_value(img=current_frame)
4h58m04s
